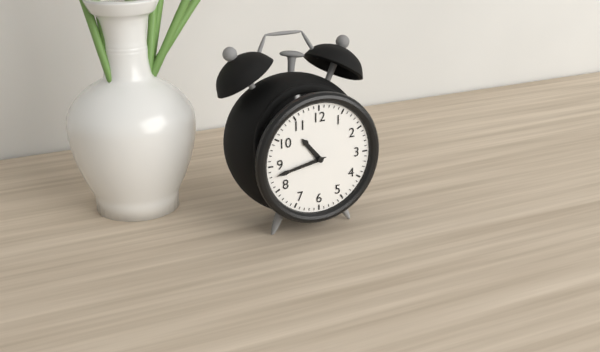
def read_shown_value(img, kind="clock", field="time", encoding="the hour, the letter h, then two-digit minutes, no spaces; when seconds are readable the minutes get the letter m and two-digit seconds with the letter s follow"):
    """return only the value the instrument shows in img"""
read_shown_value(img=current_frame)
10h43
